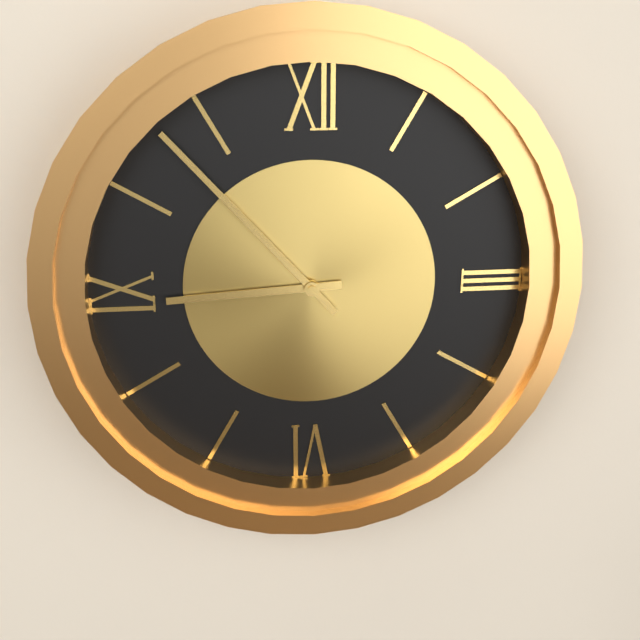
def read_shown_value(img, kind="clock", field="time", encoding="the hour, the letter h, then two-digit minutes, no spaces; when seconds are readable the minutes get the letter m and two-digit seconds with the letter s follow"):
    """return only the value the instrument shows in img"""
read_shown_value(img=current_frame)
8h53
